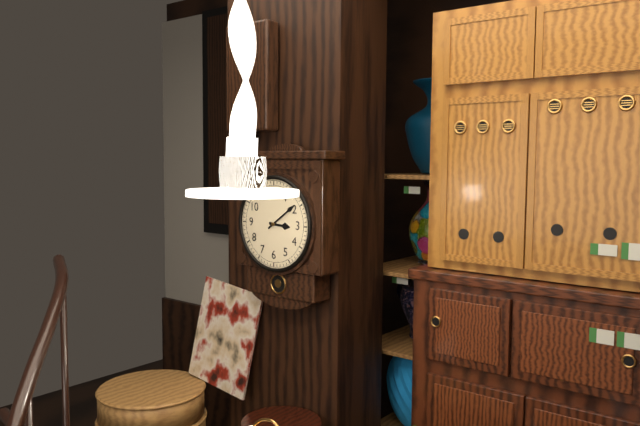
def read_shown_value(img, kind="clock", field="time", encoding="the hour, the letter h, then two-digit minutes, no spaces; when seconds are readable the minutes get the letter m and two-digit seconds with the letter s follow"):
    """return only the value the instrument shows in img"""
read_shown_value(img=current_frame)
3h09
